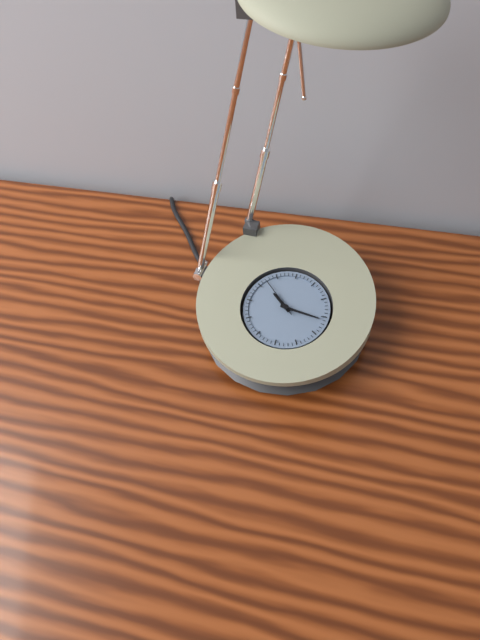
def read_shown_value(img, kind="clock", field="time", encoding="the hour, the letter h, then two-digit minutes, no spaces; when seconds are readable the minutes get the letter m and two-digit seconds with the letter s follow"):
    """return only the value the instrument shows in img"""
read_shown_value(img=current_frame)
10h16
